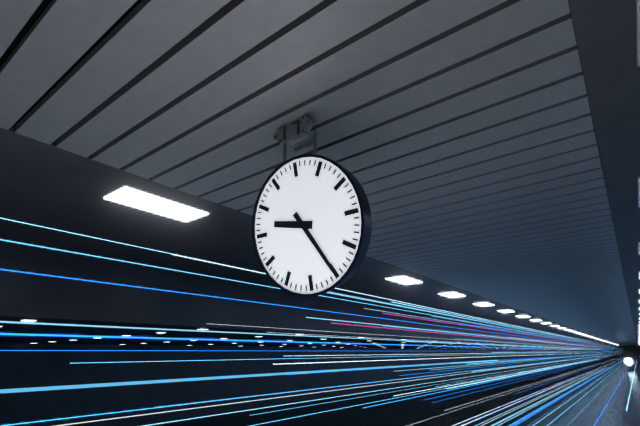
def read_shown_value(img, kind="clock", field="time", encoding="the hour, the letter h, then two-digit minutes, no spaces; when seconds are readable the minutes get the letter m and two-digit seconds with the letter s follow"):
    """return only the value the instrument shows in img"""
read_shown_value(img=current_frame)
9h25
